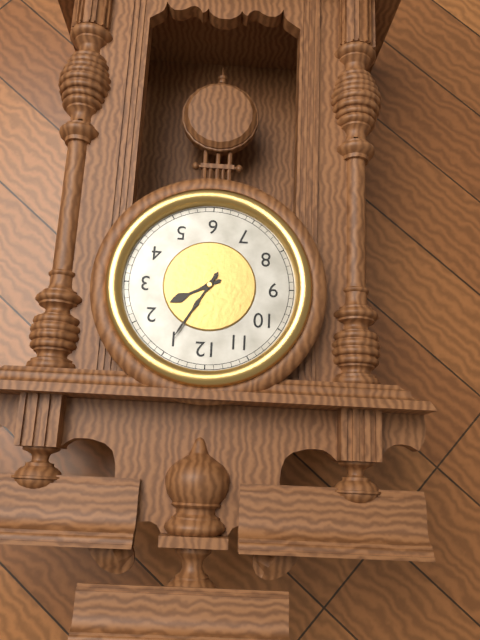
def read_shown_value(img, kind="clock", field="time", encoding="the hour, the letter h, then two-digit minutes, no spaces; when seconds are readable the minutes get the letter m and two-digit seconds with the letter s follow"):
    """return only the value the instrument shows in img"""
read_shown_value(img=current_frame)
2h05
